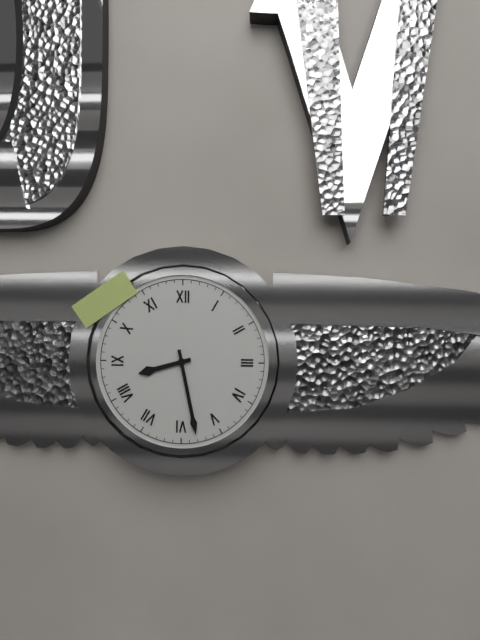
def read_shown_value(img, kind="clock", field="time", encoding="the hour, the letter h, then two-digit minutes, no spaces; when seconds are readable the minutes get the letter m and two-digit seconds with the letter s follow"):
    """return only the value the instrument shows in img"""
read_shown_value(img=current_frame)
8h28
